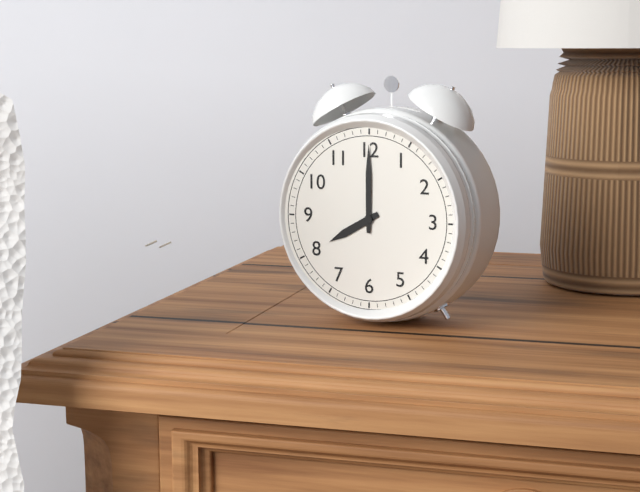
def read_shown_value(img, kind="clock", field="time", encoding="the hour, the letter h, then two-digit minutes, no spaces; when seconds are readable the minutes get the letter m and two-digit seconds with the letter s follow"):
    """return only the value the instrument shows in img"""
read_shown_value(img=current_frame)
8h00
